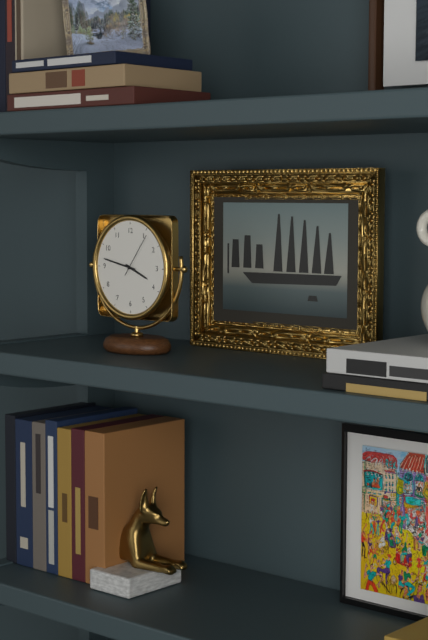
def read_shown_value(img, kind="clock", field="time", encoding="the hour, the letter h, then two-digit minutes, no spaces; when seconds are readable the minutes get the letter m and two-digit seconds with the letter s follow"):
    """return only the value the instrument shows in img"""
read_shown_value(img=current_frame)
3h47
